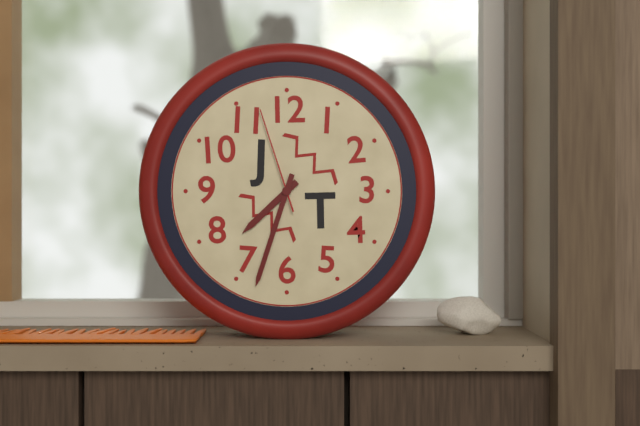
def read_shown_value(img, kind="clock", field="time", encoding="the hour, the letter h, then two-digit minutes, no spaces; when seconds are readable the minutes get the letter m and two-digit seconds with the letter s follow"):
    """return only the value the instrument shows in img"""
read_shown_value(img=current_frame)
7h33m57s
